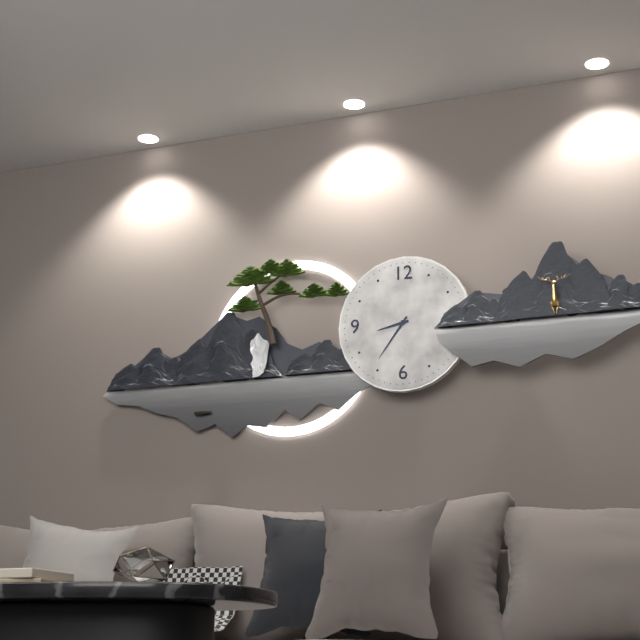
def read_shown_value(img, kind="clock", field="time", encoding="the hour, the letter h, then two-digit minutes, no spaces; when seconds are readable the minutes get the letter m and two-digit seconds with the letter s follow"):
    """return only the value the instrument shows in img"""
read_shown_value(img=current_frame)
8h36
